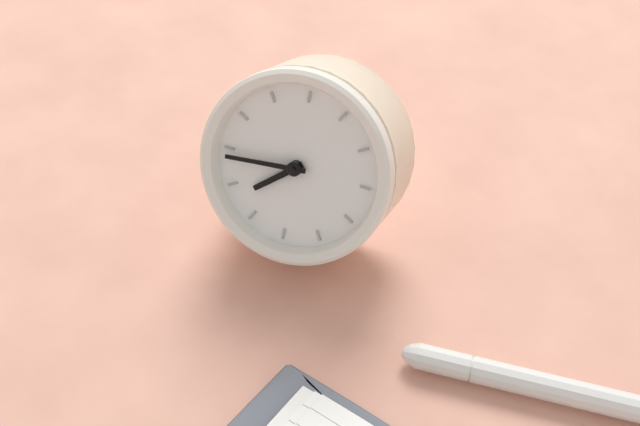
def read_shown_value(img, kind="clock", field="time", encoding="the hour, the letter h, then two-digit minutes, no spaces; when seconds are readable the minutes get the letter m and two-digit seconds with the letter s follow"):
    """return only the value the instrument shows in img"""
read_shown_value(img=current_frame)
6h39
